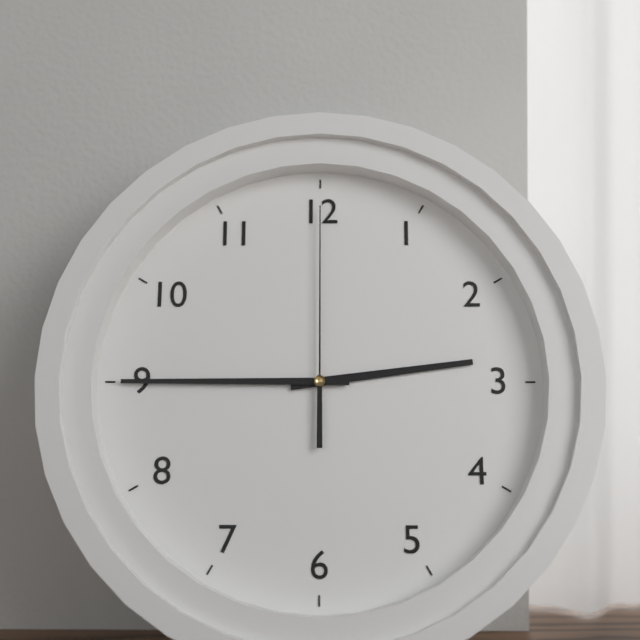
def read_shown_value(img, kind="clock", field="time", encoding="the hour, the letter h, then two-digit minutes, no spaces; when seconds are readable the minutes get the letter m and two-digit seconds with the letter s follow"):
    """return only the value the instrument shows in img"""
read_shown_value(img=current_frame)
2h45m00s
